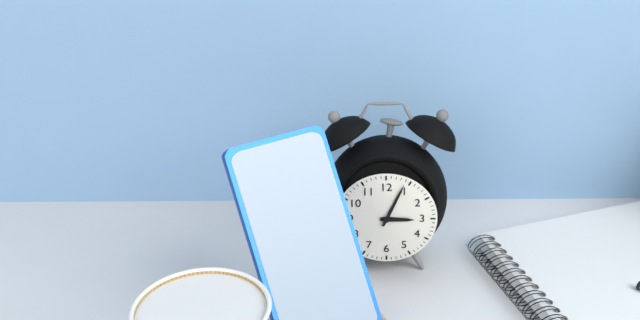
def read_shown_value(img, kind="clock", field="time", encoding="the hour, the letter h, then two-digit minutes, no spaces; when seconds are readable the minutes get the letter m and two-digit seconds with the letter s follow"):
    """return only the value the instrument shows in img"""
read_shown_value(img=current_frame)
3h04
